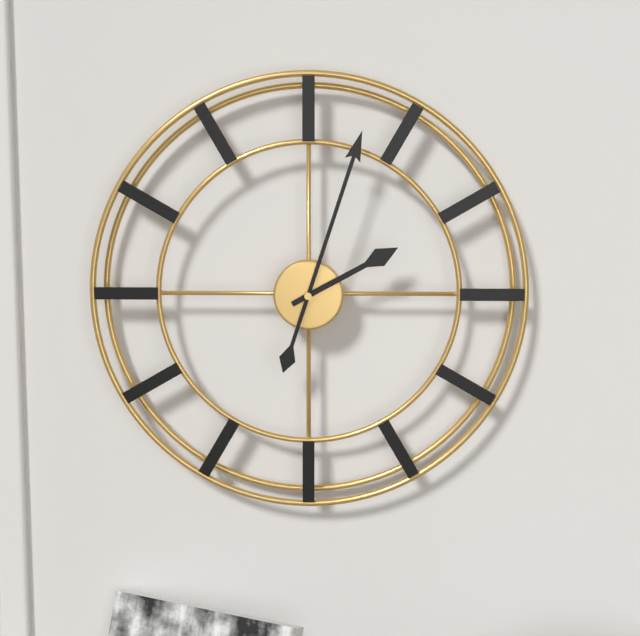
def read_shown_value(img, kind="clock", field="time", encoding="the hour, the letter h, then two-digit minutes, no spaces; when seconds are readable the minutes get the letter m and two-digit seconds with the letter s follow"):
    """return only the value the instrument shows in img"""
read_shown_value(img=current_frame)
2h03
